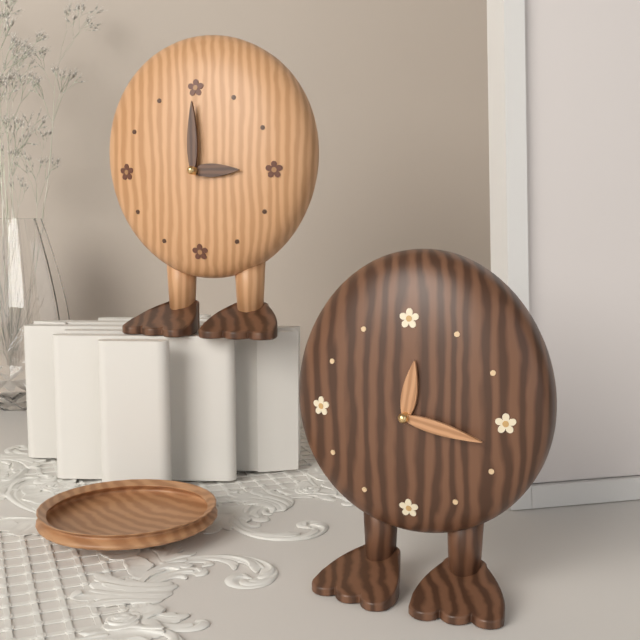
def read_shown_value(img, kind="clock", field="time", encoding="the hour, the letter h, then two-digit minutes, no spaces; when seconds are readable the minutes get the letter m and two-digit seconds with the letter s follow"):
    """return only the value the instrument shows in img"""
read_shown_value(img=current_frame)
12h17
